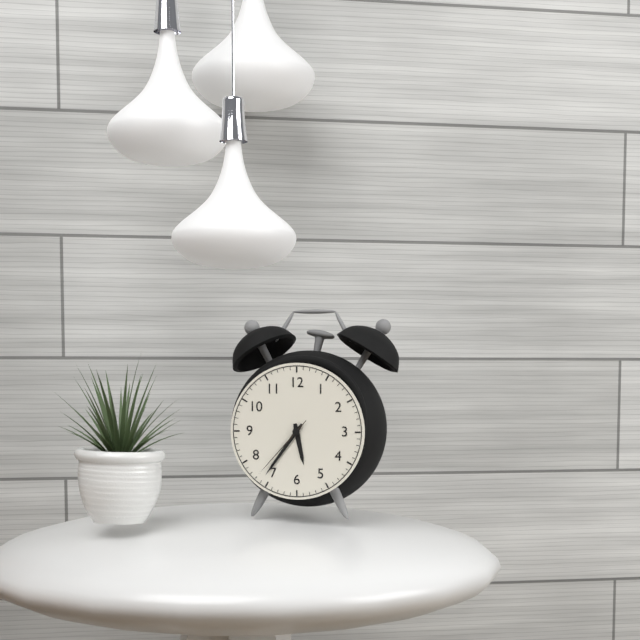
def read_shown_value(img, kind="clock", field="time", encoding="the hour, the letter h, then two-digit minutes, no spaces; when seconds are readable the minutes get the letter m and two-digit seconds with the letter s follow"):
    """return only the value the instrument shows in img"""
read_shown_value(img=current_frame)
5h36m37s
